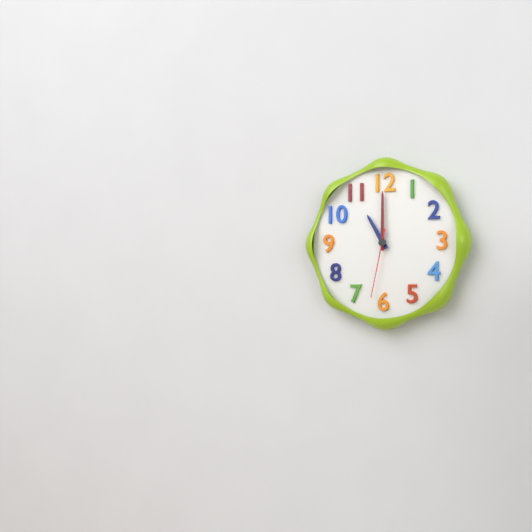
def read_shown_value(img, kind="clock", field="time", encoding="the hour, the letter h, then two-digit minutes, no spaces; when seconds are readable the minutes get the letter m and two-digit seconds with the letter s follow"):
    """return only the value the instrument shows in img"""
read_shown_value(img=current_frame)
11h00m32s
